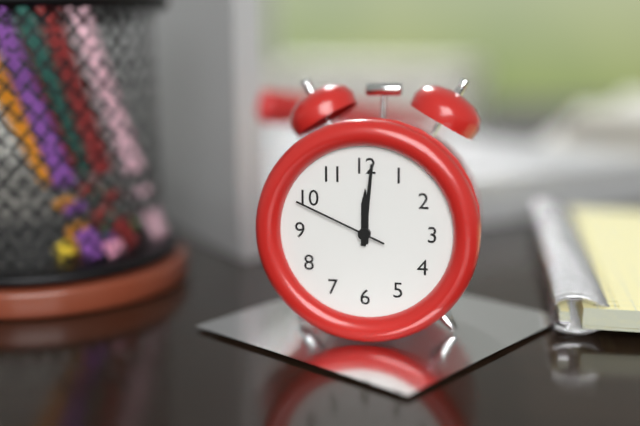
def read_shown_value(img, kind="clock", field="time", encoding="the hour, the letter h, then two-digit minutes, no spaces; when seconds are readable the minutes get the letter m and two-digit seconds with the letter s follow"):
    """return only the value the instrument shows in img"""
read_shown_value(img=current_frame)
12h01m49s
